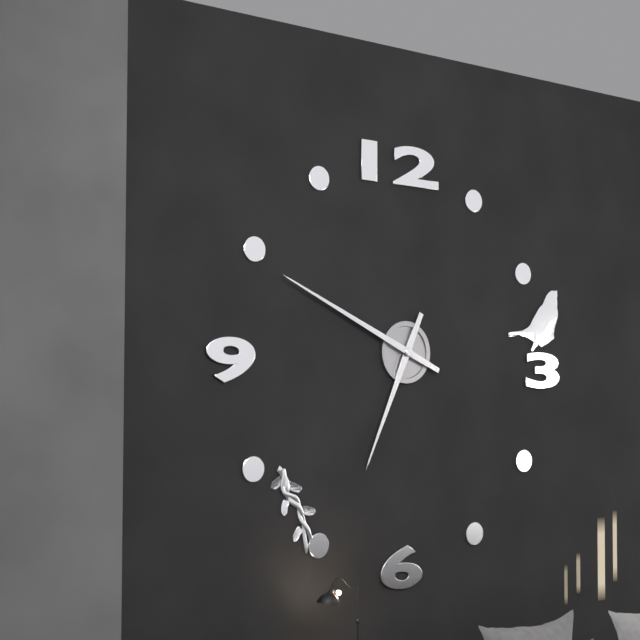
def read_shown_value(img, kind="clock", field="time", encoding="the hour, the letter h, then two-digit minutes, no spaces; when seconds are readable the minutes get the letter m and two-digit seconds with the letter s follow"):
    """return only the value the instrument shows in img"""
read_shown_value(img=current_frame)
6h49
